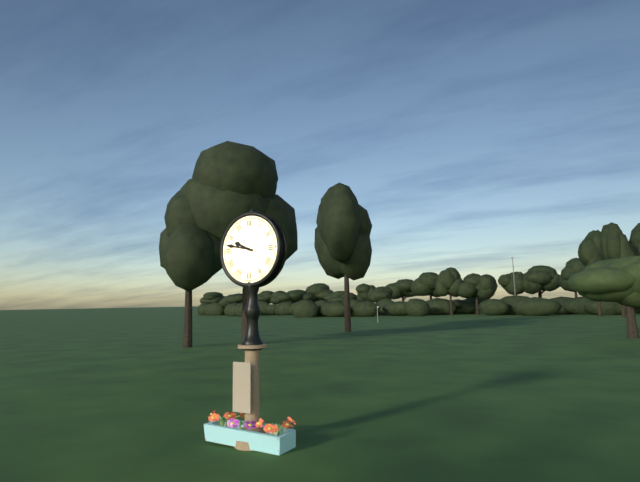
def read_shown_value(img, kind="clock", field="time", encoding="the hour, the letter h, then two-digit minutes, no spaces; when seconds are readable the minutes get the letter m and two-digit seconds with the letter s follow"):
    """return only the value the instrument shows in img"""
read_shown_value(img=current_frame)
9h47
